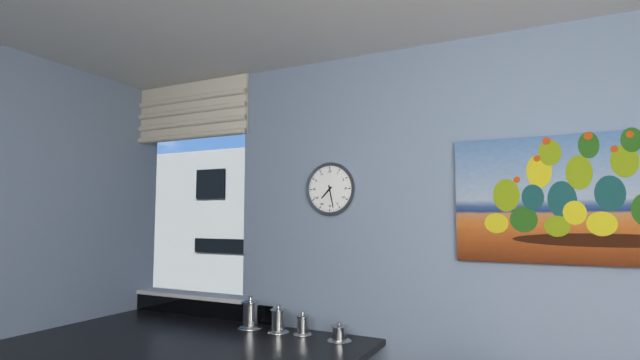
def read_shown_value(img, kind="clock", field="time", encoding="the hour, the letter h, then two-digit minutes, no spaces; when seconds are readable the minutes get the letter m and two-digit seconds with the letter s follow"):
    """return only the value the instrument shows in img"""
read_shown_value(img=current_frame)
7h28
